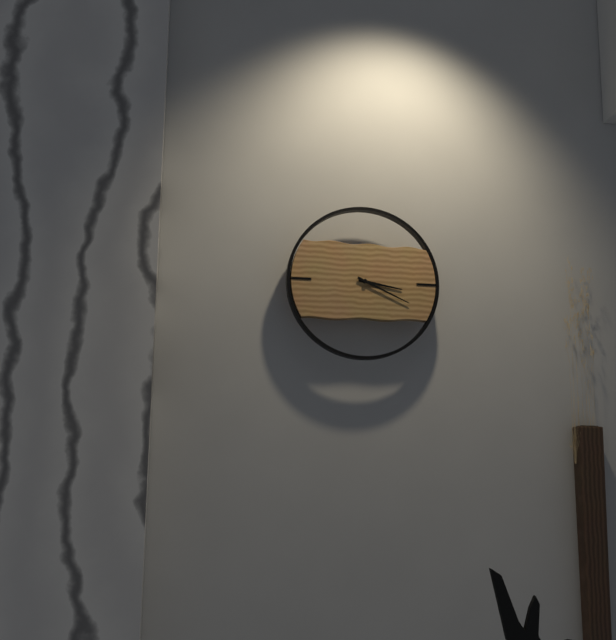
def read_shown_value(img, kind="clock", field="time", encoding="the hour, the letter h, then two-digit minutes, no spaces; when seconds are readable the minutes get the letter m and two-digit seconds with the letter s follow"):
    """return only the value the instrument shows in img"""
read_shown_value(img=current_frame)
3h19
